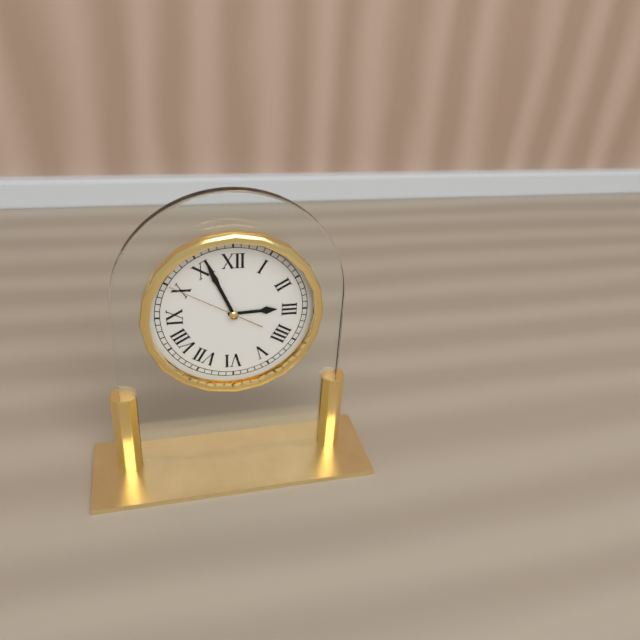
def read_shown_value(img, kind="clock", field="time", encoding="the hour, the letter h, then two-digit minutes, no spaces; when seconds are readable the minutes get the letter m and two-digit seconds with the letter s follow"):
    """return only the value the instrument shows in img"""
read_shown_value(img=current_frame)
2h56m50s
